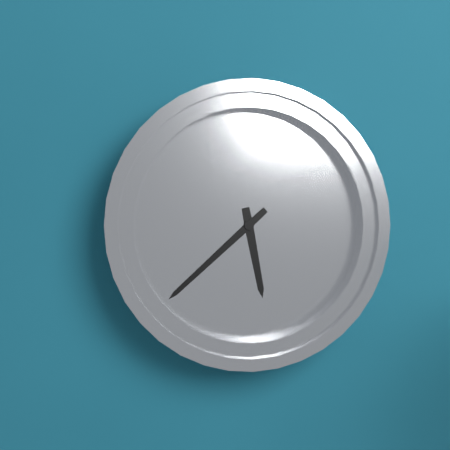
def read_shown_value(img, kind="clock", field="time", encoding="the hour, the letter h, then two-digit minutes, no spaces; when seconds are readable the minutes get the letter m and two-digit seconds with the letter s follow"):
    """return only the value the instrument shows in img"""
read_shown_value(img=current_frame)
5h38
